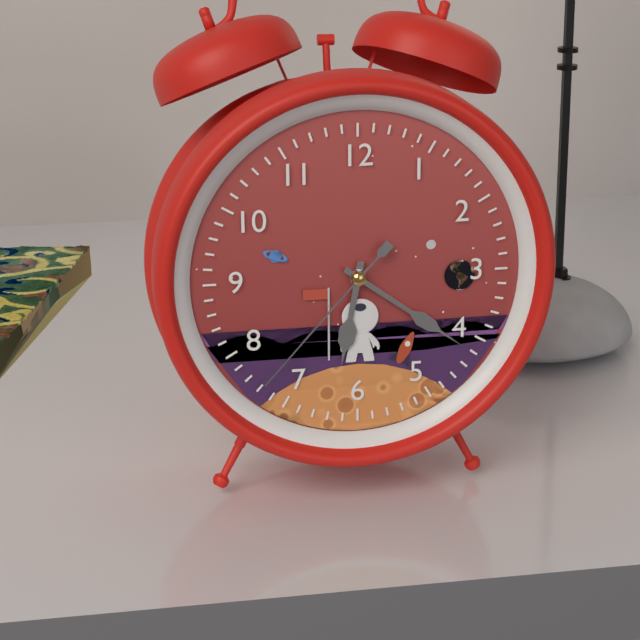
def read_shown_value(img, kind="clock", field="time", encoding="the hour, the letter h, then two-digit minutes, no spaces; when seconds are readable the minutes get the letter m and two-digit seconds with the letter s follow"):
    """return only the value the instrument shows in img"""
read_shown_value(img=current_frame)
6h21m37s
